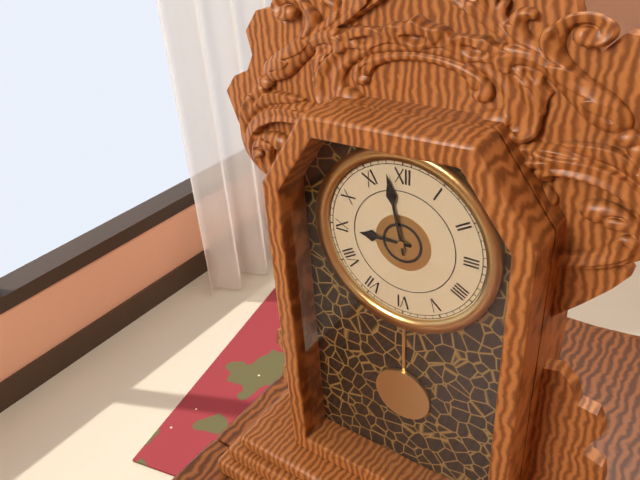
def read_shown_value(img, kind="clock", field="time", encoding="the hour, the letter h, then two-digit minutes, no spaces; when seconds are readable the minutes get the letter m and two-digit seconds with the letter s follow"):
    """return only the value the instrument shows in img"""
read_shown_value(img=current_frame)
8h58
